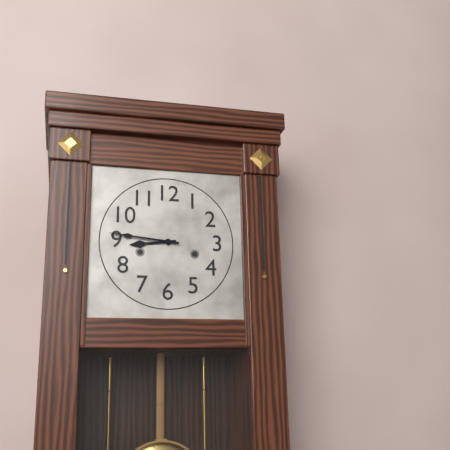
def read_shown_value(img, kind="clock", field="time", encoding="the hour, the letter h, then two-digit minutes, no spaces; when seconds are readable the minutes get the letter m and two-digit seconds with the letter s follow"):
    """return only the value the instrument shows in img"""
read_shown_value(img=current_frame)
8h46
